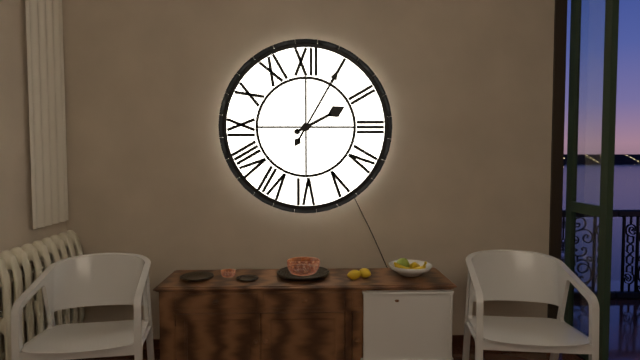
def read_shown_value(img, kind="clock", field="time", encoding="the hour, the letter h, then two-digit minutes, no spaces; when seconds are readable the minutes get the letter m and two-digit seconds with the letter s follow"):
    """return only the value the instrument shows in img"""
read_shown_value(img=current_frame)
2h05
